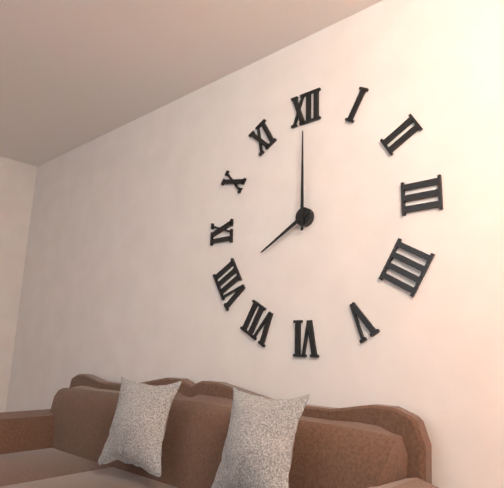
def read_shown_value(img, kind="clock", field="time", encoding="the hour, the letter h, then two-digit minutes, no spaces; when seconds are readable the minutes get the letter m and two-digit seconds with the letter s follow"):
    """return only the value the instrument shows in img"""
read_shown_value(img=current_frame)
8h00
